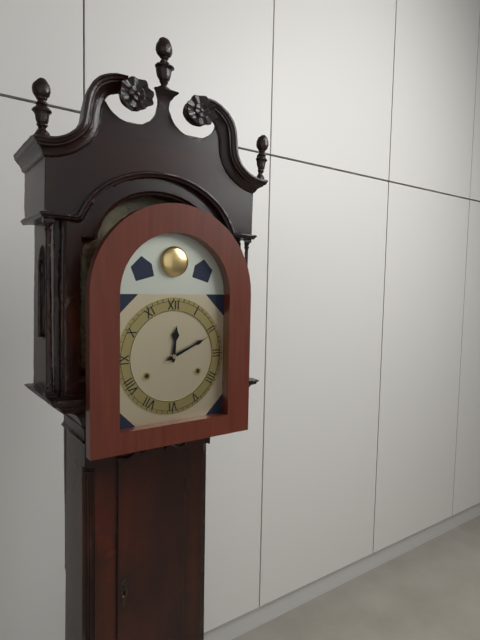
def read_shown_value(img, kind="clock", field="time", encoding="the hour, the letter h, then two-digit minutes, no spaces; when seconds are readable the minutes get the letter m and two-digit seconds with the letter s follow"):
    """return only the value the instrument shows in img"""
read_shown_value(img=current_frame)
12h11
